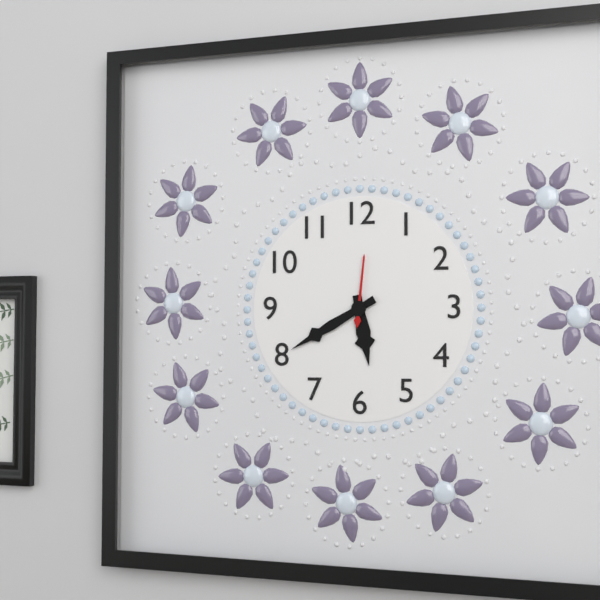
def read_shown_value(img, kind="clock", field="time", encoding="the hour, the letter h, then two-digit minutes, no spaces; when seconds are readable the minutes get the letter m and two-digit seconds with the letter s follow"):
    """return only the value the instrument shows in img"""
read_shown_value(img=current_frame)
5h40m01s
